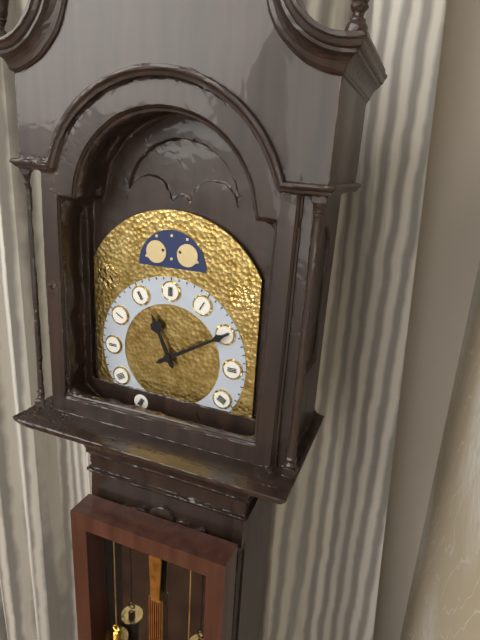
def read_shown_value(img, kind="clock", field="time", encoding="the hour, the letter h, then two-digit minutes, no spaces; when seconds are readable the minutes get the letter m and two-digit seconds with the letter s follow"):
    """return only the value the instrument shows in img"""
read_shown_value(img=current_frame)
11h10
